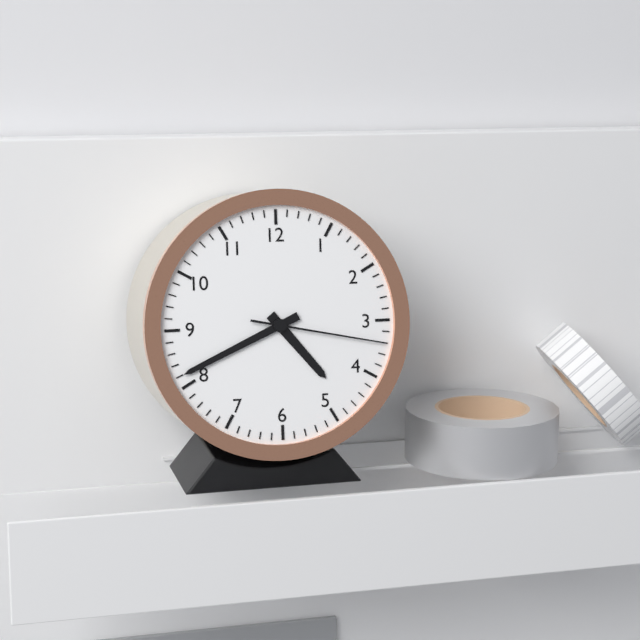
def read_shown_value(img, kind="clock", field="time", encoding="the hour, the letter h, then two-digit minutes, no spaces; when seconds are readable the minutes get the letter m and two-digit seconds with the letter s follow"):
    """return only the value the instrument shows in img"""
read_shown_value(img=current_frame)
4h41m17s
